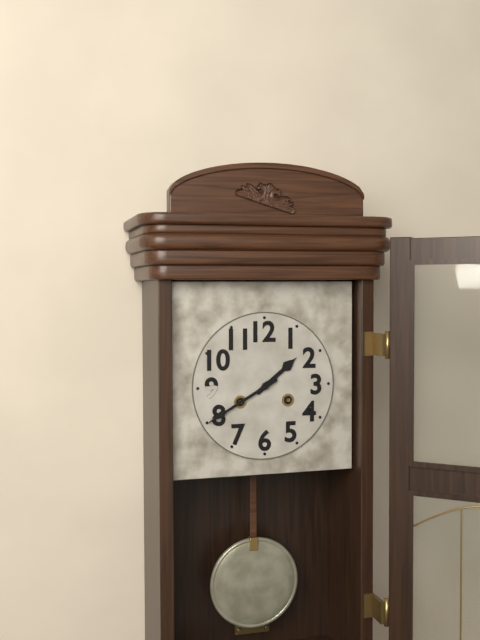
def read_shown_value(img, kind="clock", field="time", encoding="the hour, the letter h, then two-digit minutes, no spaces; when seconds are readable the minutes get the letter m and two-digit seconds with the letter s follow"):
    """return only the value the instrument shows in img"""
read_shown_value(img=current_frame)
1h40
